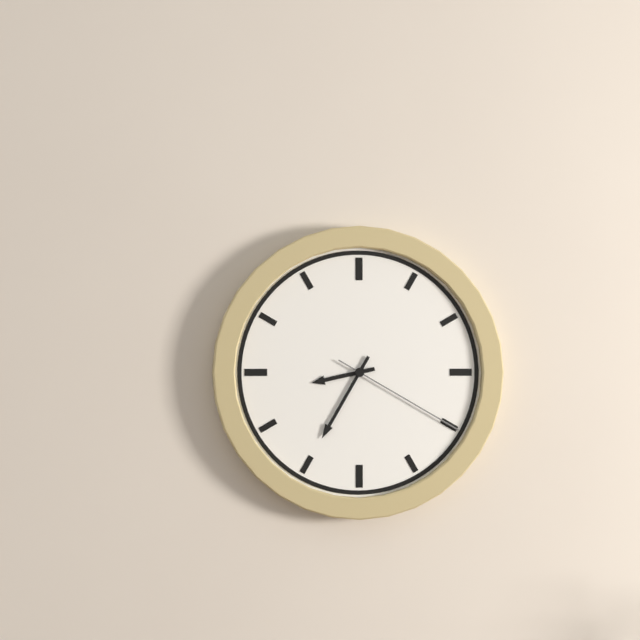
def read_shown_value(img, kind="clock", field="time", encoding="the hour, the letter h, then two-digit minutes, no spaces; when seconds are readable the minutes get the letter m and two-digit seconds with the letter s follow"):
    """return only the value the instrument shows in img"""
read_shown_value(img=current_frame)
8h35m20s
